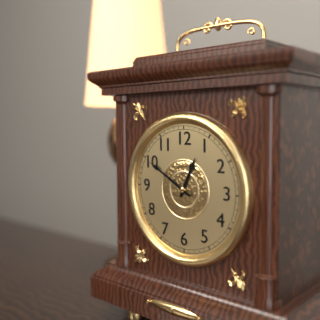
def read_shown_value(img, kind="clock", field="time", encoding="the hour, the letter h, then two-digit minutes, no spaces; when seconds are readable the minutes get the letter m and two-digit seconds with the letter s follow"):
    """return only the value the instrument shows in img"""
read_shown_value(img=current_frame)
12h50
